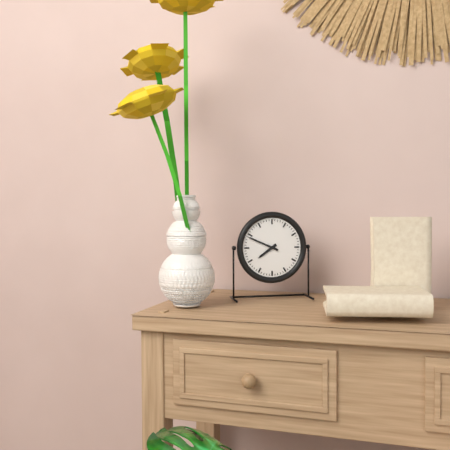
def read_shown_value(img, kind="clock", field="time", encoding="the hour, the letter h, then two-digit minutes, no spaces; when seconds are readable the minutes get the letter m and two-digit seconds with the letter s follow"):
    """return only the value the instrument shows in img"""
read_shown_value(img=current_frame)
7h49
